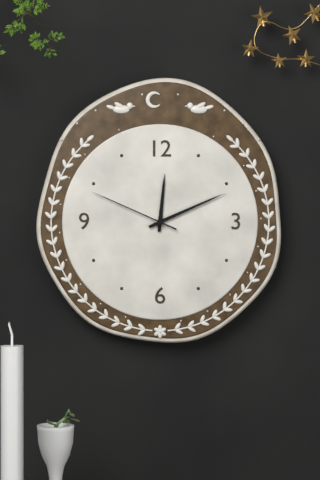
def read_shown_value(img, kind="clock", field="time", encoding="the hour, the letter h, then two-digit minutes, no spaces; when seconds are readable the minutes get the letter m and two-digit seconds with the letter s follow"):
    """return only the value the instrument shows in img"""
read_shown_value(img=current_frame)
12h11m49s
